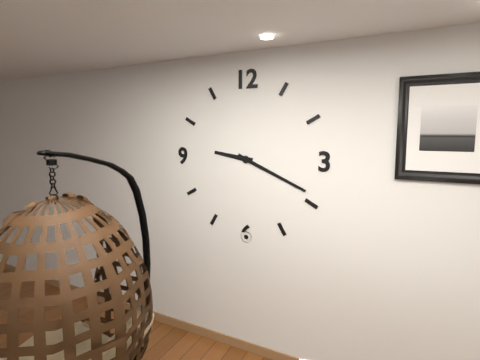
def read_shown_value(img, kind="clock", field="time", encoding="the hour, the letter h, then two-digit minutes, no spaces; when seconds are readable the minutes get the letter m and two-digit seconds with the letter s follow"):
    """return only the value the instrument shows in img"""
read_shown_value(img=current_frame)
9h19
